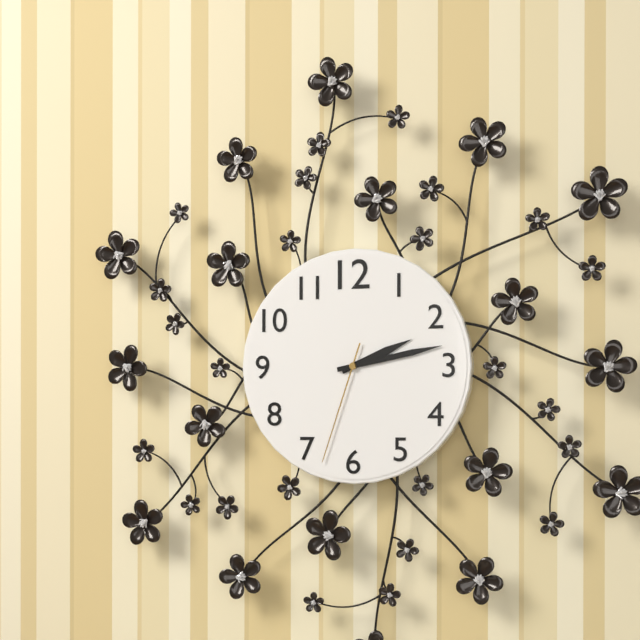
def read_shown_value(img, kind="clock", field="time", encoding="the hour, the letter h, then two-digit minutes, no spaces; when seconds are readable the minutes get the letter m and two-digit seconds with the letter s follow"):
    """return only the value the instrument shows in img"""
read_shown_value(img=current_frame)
2h13m33s
